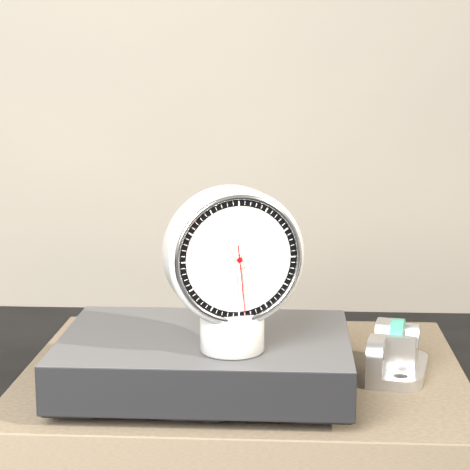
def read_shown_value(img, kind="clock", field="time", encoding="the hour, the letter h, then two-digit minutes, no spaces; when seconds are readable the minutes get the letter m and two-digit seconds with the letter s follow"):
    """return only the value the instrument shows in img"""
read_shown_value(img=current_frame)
5h55m29s
